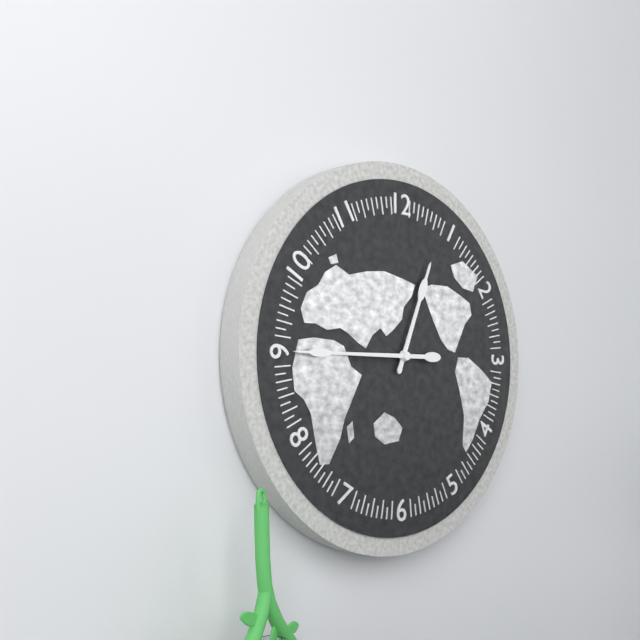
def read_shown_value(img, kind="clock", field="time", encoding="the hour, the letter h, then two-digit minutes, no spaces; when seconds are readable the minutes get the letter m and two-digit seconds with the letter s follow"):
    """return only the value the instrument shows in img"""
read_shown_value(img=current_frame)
12h45
